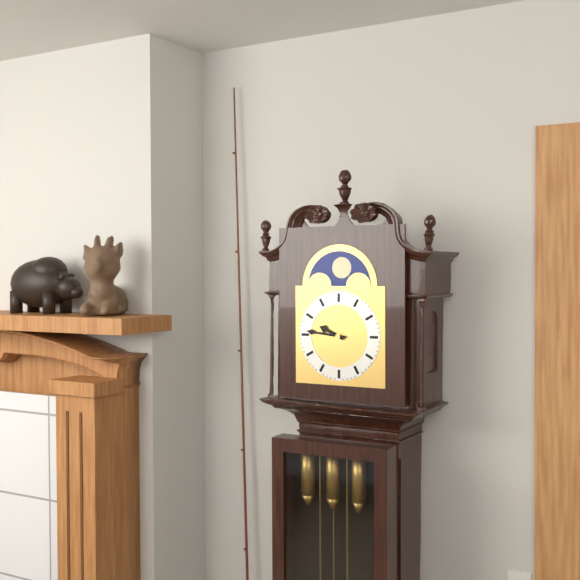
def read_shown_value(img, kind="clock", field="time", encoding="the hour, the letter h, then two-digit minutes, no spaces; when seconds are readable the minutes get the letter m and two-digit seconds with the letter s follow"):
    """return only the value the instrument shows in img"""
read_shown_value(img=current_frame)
9h46
